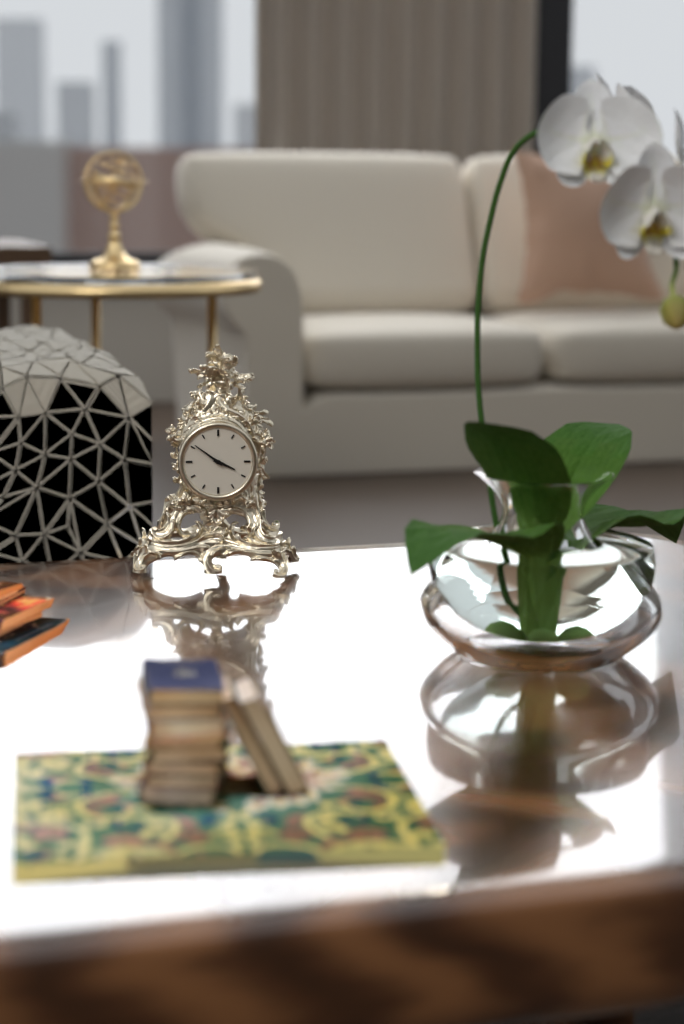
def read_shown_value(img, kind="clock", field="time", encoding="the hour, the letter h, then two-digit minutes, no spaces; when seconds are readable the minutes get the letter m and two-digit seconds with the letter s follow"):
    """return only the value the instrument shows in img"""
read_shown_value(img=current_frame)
3h51
